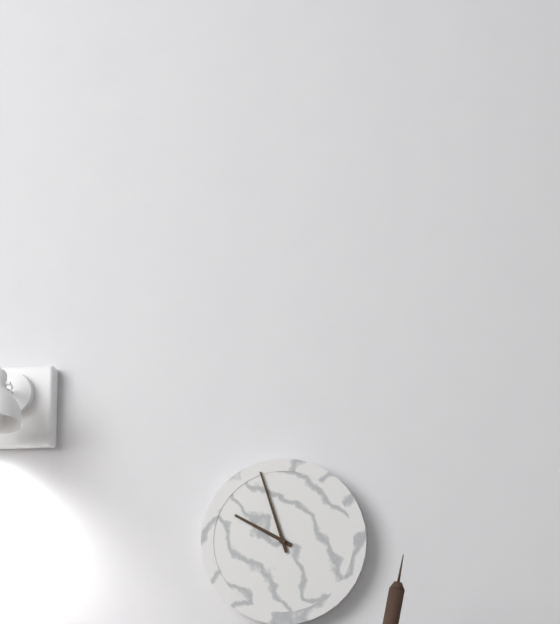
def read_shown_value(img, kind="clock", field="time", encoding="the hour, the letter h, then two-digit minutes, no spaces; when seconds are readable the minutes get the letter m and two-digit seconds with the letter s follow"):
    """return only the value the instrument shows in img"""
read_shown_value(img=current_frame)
9h57
